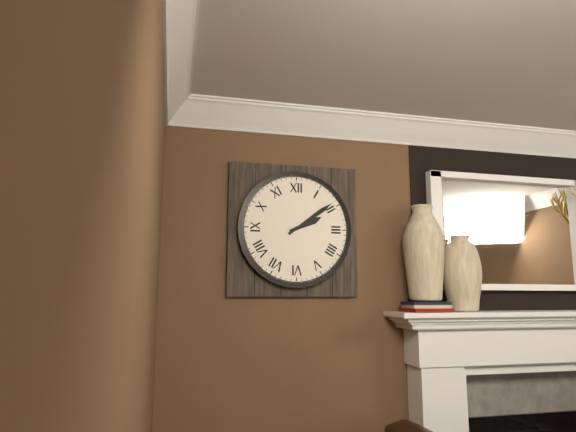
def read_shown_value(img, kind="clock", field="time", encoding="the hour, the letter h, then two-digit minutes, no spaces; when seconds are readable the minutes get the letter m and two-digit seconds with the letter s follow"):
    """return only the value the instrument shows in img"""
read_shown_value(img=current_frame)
2h09
